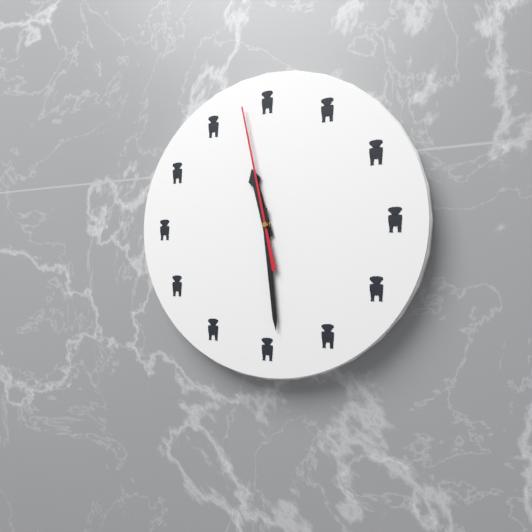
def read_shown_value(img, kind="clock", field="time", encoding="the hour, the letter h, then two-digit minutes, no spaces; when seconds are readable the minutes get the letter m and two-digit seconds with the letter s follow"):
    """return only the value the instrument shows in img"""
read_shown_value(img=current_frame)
11h29m58s
